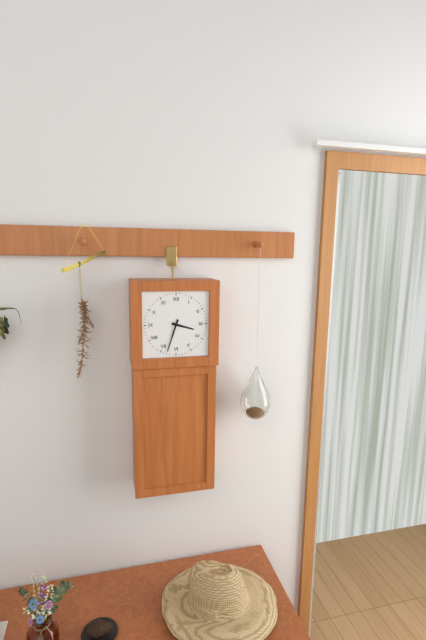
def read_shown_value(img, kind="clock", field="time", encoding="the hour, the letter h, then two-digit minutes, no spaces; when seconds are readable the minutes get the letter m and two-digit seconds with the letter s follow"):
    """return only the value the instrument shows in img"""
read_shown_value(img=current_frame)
3h33
